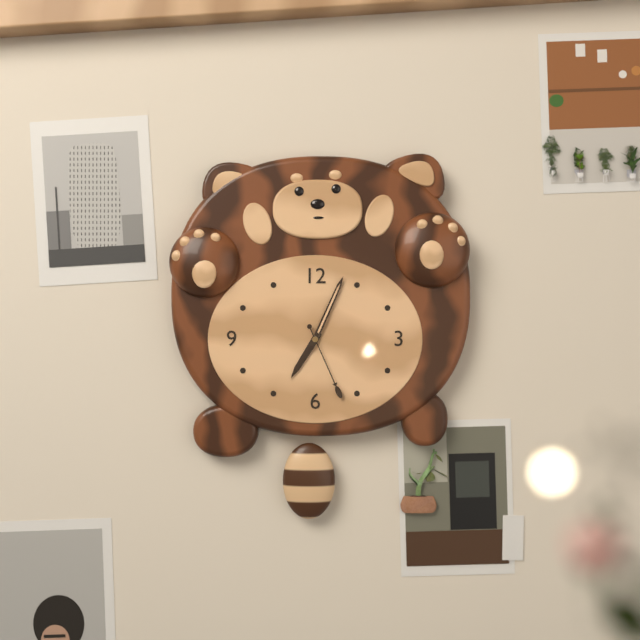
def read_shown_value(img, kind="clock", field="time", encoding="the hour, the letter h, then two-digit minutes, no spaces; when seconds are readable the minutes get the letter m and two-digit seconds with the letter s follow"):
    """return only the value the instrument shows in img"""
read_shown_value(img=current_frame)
7h04m26s
